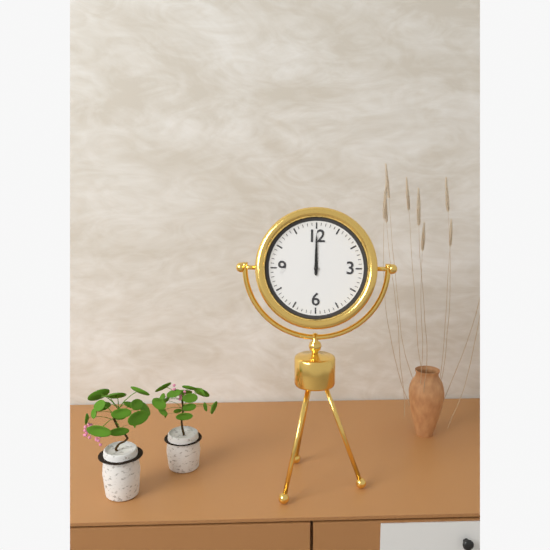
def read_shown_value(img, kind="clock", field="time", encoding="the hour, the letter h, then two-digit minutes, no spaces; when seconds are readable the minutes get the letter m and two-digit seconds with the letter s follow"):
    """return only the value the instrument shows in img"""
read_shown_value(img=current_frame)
12h00
